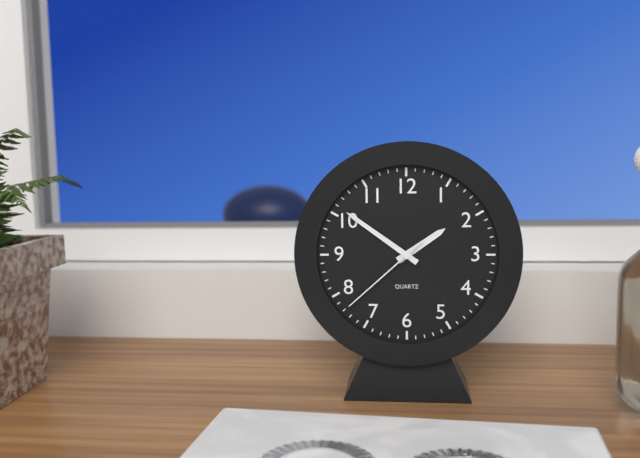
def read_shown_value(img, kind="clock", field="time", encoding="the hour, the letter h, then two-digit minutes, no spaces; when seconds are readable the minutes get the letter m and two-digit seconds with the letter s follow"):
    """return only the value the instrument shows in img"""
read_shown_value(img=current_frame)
1h51m38s
